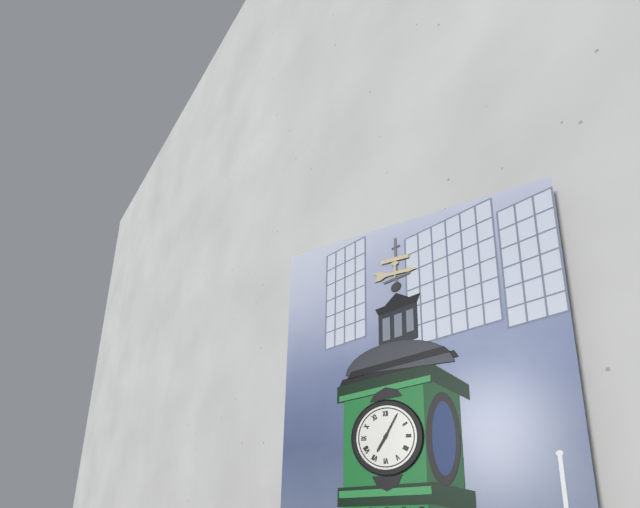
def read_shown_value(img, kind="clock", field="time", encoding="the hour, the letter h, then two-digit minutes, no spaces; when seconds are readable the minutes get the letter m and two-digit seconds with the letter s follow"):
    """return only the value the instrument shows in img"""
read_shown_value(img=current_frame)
7h05
